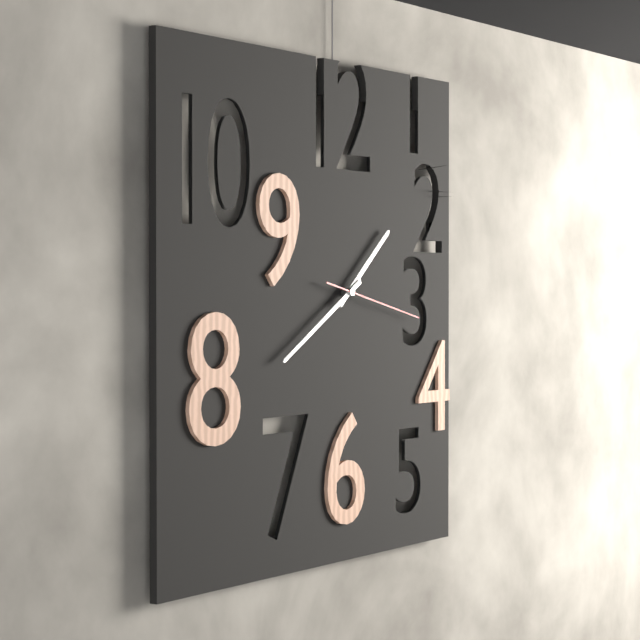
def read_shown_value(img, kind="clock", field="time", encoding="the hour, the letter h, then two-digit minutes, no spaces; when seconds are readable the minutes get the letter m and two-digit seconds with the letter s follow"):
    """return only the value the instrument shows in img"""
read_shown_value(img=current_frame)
1h40m17s
